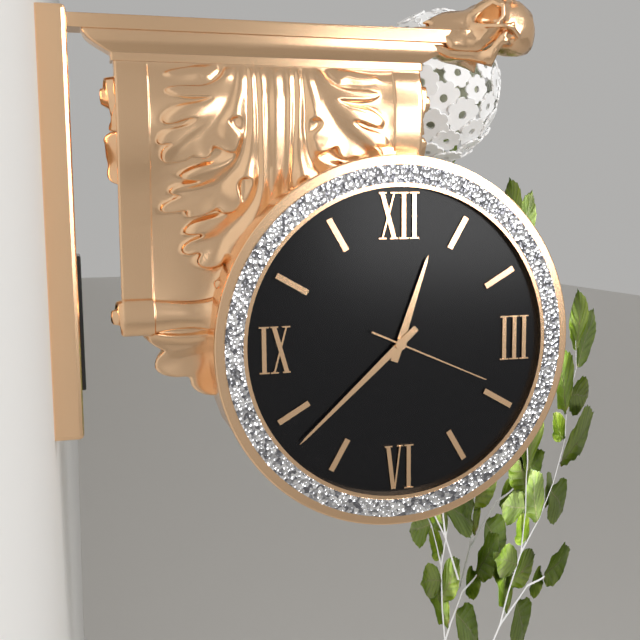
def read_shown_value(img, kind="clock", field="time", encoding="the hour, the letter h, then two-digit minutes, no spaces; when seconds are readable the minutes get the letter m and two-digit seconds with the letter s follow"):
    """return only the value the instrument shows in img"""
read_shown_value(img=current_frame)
12h38m19s
